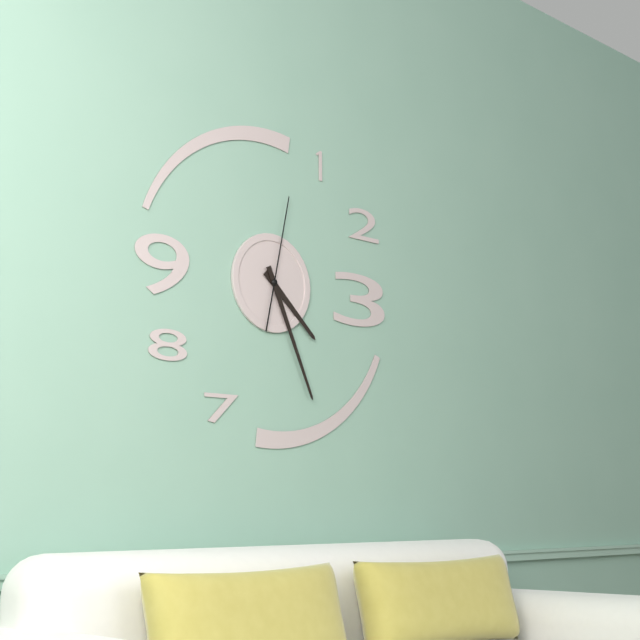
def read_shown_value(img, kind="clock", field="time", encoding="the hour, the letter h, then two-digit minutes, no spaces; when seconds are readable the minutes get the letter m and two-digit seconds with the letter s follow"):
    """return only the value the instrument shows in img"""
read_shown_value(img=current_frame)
4h26m02s
